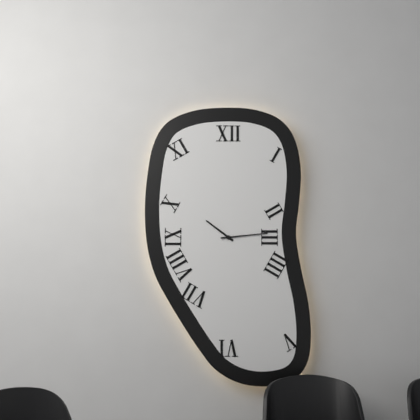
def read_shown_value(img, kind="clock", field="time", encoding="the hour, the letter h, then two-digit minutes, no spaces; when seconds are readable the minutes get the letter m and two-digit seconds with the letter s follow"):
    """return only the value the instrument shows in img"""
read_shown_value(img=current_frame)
10h14
